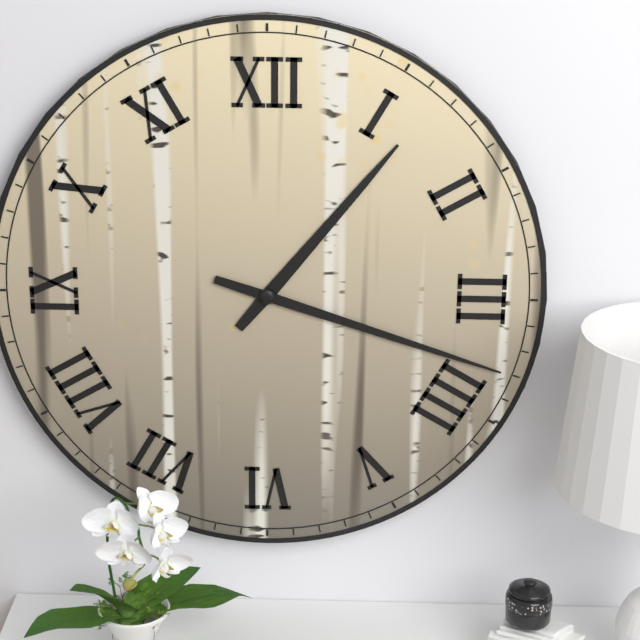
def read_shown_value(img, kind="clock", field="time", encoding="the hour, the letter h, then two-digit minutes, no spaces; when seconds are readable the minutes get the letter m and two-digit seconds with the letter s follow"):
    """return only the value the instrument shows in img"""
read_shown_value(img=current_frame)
1h18
